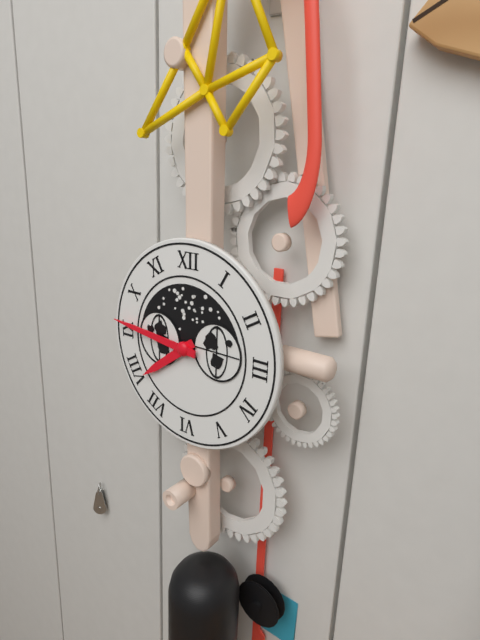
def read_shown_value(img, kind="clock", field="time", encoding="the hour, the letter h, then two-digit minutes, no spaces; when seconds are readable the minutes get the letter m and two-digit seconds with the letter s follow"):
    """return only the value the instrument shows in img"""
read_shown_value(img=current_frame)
7h46
